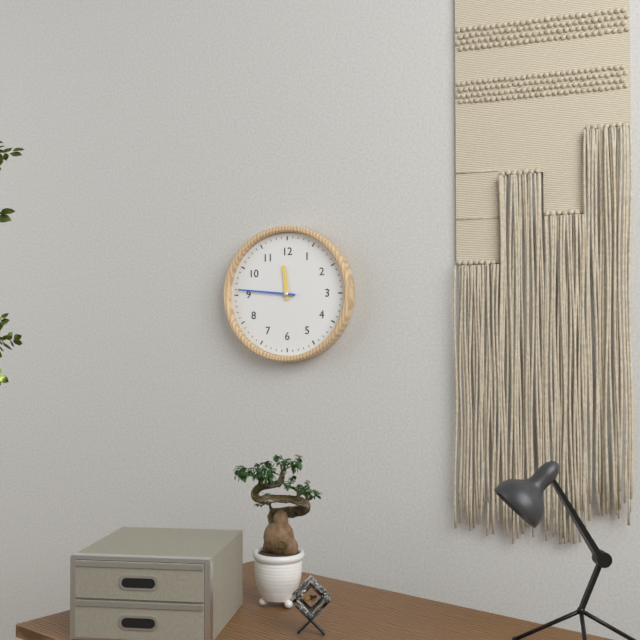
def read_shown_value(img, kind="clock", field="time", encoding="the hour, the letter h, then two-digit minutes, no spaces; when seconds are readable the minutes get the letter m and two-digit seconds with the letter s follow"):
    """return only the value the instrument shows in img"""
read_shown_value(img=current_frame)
11h46
